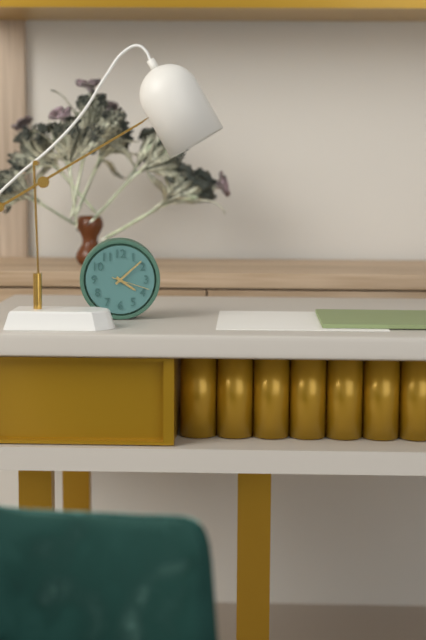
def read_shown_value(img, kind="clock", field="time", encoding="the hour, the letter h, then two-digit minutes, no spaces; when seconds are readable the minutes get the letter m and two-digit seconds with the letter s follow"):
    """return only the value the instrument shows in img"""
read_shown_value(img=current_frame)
4h08
